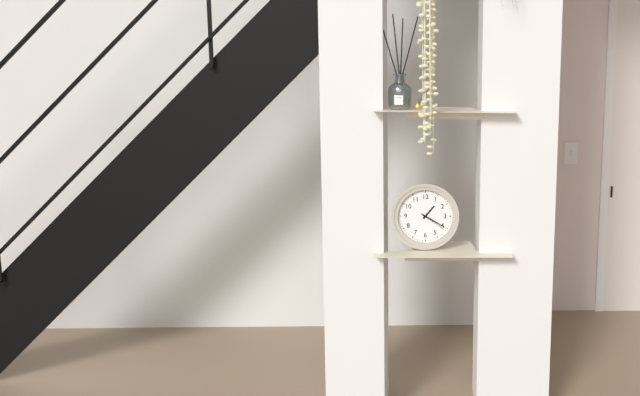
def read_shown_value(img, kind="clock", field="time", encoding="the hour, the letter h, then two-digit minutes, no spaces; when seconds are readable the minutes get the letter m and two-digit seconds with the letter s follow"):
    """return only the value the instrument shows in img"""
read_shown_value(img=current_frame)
1h20
